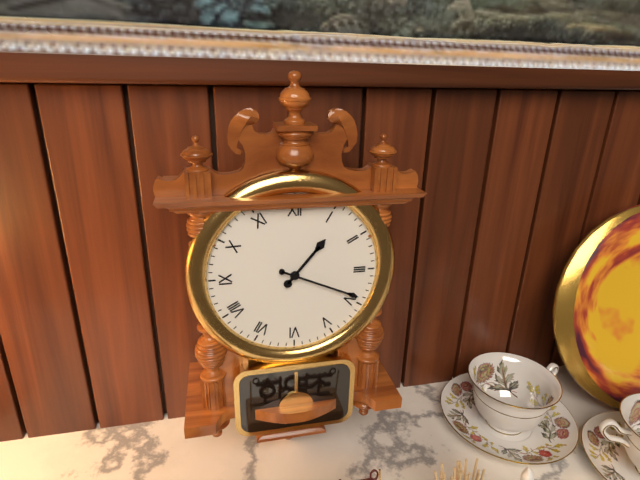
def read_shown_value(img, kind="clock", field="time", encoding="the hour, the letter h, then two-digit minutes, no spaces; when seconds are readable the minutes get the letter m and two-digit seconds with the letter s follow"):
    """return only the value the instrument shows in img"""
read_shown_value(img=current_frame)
1h19
